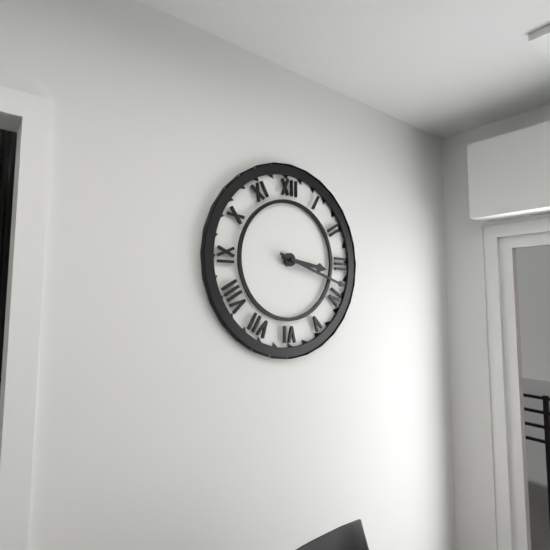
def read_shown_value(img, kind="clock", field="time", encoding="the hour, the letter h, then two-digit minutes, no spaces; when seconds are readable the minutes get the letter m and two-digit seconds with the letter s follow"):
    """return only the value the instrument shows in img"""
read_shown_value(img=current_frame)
3h18
